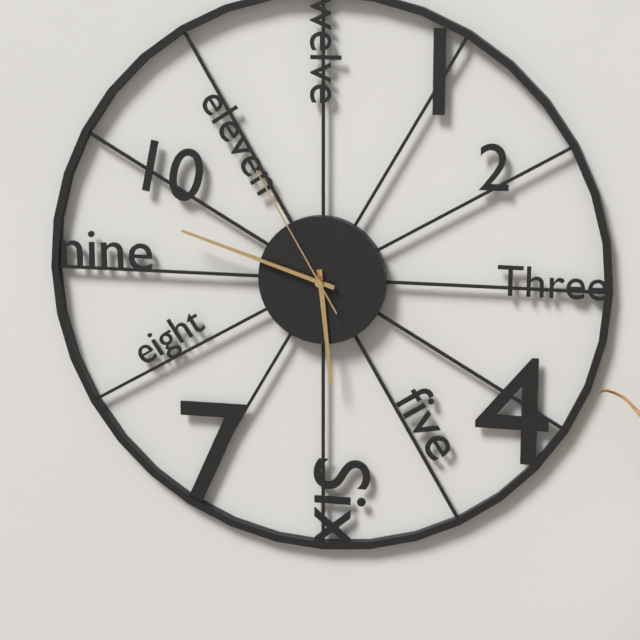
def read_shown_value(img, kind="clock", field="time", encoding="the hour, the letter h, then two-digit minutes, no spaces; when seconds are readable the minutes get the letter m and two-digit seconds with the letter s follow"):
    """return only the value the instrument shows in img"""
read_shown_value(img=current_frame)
5h48m55s
